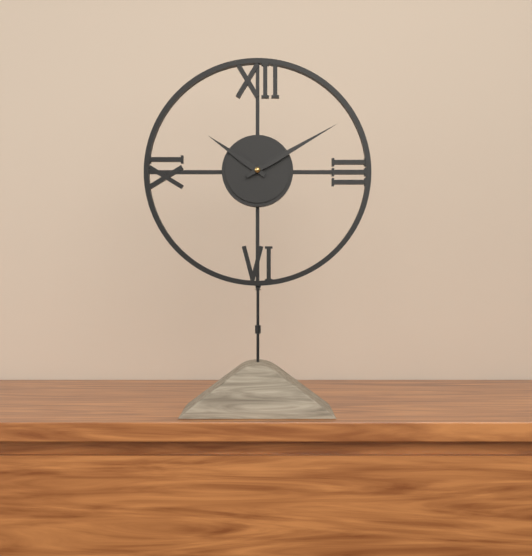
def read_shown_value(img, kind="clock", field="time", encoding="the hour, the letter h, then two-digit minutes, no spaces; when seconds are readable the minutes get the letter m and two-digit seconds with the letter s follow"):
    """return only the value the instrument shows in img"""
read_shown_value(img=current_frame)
10h10
